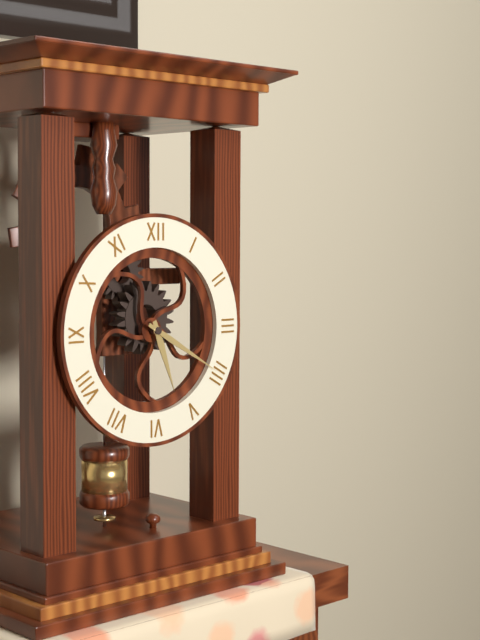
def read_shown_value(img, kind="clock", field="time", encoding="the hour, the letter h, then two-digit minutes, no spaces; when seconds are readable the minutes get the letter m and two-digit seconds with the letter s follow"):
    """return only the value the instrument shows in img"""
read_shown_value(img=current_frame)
5h20
